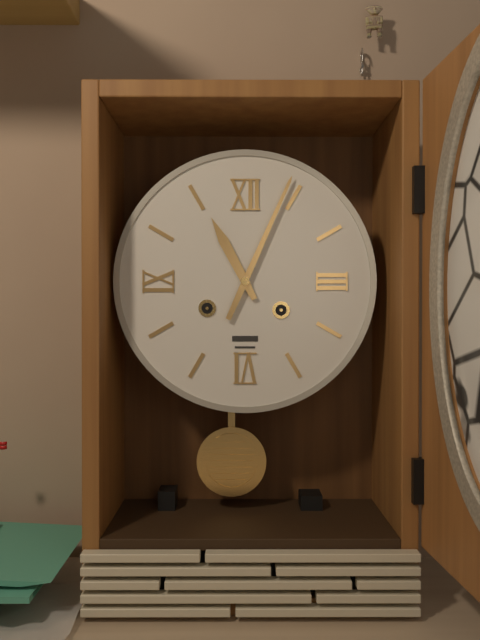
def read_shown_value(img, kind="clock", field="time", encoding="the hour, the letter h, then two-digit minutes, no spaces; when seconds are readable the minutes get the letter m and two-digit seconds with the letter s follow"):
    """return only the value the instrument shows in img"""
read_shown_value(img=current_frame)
11h04
